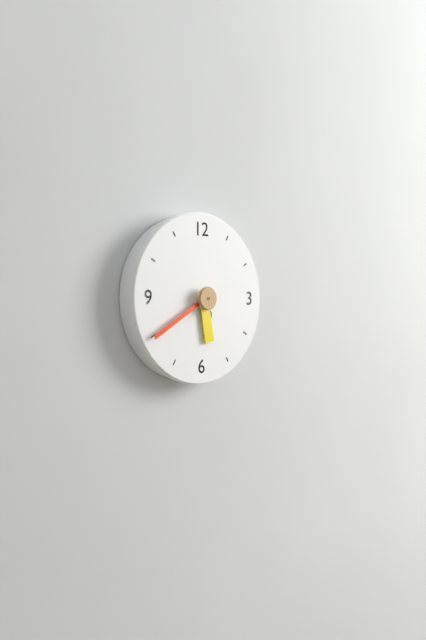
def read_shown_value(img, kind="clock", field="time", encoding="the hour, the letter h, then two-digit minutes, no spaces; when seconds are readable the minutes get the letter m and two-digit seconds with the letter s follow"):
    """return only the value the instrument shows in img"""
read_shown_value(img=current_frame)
5h40
